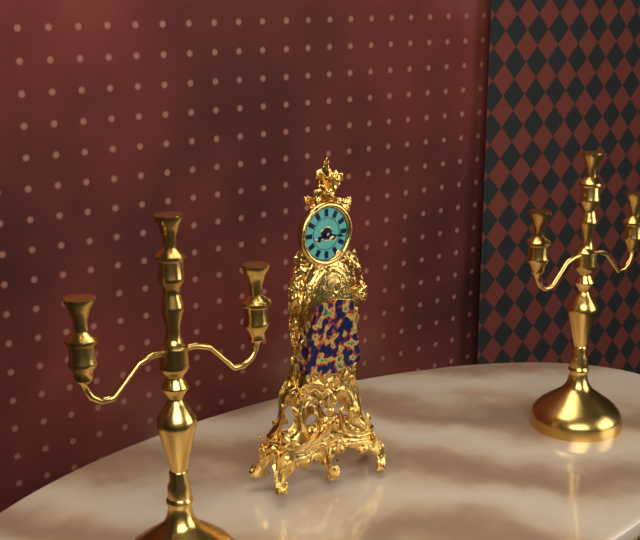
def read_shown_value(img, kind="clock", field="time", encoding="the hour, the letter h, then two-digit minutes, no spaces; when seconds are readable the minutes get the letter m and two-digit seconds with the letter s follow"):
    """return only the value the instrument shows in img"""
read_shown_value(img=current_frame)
8h17
